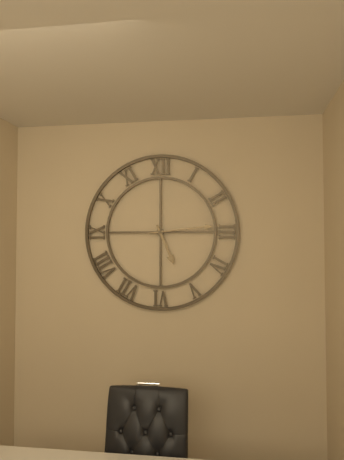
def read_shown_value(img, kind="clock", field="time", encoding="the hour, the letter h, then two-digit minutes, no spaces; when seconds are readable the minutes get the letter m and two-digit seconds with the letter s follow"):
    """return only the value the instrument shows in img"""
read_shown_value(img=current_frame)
5h14
